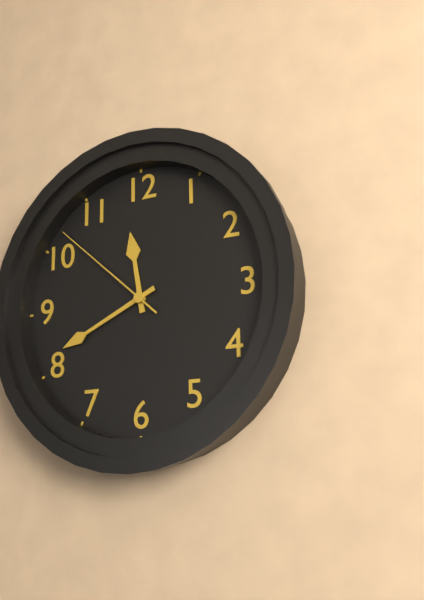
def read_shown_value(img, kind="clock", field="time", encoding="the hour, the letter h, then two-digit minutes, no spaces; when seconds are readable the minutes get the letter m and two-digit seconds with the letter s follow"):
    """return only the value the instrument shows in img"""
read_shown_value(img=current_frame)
11h41m52s
